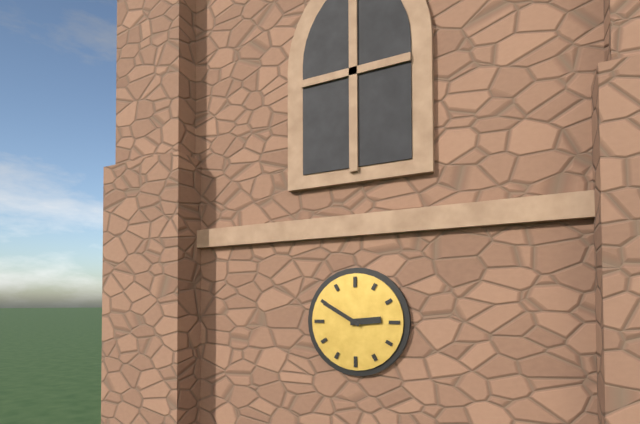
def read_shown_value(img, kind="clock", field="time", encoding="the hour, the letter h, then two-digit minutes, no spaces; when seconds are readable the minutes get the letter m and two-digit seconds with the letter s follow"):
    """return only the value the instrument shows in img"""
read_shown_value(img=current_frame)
2h50
